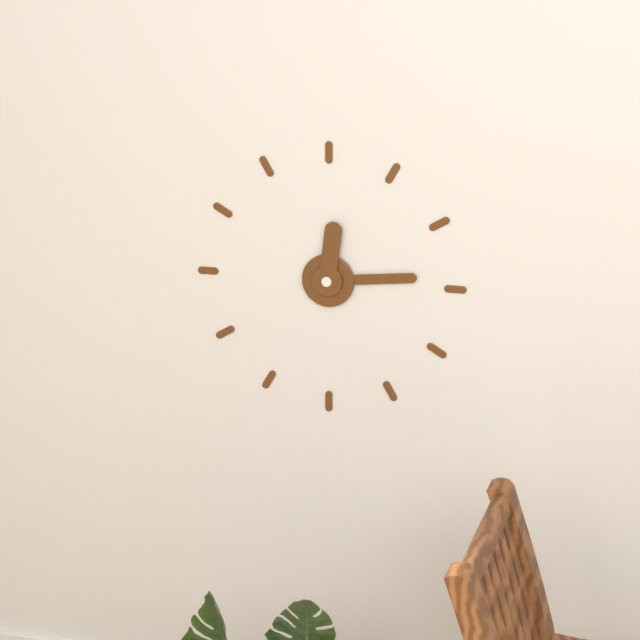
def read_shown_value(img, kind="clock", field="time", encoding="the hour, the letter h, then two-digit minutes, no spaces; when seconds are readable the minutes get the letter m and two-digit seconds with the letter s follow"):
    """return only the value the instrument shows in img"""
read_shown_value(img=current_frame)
12h14
